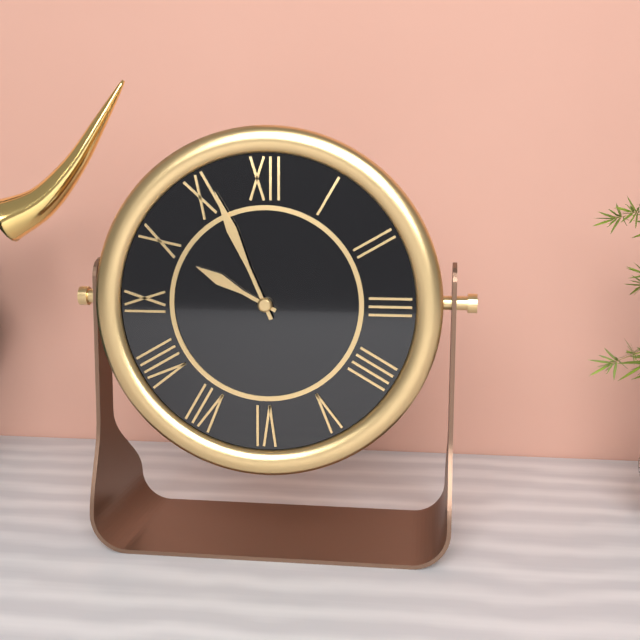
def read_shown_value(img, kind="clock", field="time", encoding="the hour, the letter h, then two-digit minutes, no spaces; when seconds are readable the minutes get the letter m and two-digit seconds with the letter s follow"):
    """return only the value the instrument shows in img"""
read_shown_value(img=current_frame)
9h56
